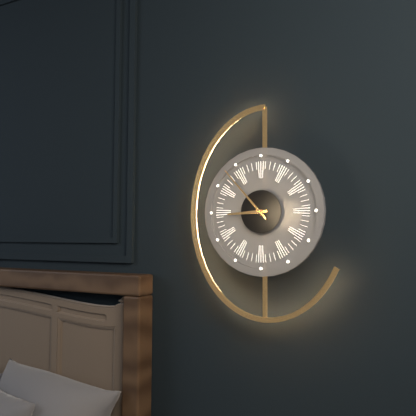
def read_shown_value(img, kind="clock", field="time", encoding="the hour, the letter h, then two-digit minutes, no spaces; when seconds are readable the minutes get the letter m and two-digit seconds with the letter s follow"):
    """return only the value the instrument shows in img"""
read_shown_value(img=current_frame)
8h53
